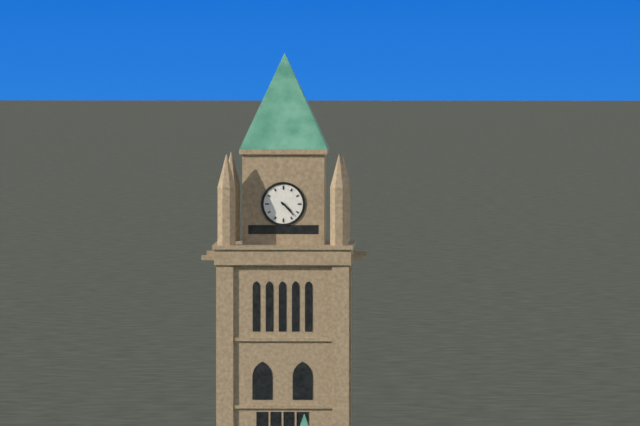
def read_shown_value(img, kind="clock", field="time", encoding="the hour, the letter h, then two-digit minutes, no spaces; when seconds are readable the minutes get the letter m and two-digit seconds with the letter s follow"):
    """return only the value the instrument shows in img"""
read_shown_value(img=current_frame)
4h23
